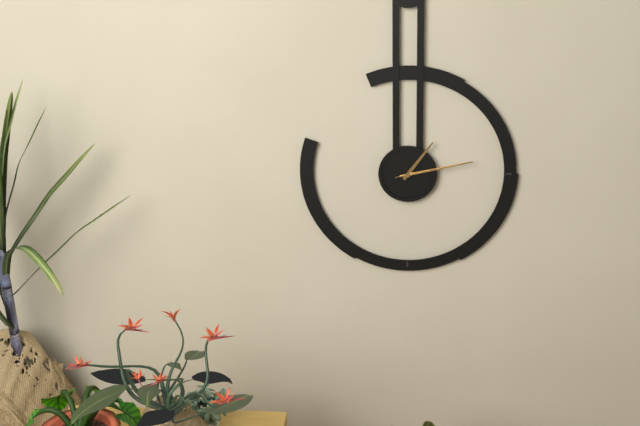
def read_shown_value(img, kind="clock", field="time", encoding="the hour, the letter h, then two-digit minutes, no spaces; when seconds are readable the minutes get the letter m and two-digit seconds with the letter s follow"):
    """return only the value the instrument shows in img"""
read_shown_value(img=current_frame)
1h13m13s
